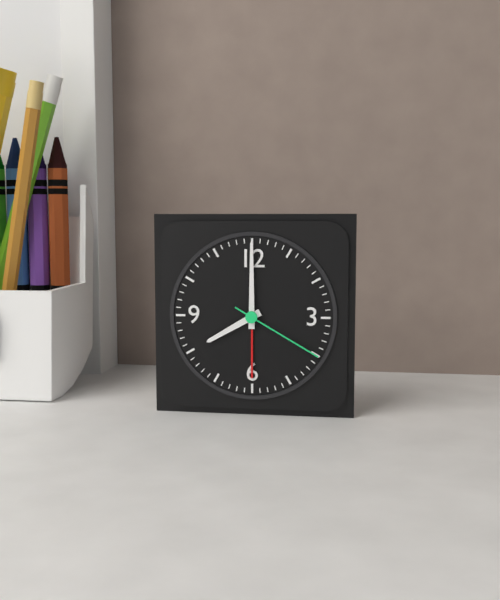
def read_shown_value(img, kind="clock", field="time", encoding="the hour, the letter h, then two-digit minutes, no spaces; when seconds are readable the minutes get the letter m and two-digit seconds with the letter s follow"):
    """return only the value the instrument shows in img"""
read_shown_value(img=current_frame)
8h00m20s
